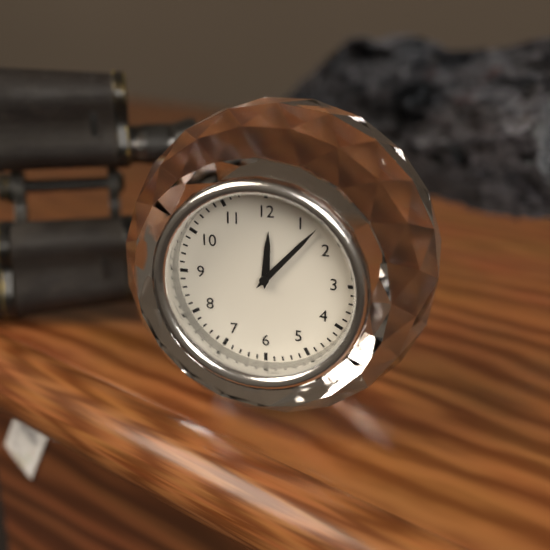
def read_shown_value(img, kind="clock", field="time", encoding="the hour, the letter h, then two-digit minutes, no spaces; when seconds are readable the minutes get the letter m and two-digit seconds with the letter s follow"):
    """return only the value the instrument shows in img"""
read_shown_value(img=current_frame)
12h07
